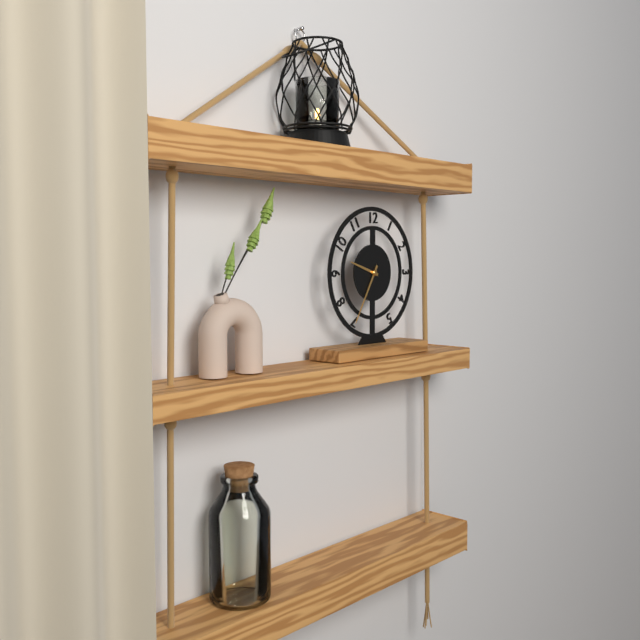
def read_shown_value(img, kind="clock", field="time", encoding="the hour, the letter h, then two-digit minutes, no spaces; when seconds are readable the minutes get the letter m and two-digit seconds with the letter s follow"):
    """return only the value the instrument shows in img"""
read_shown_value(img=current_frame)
9h35
